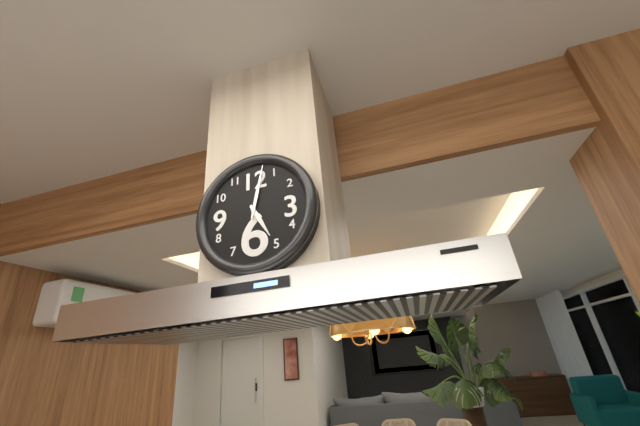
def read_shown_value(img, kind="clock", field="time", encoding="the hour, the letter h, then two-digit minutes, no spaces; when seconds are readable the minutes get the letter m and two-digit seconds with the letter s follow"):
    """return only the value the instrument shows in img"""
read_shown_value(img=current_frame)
5h02
